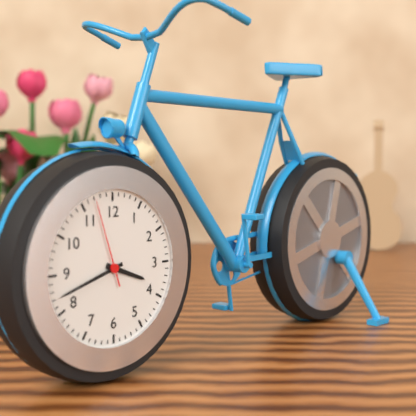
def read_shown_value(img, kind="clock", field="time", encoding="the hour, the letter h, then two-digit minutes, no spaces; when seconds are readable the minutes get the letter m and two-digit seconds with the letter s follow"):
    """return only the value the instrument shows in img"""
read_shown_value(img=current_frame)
3h42m57s
